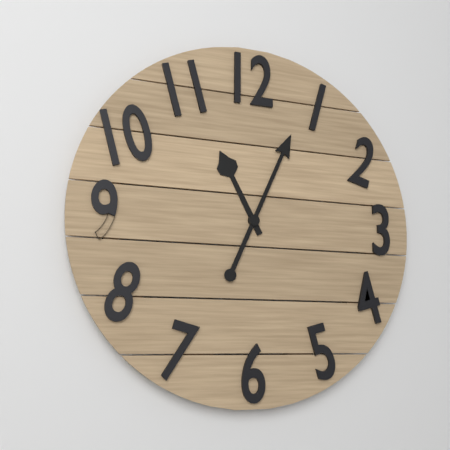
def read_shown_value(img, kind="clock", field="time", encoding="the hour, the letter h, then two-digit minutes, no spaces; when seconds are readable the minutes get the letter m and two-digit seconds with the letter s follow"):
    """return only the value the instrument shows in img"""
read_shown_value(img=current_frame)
11h04
